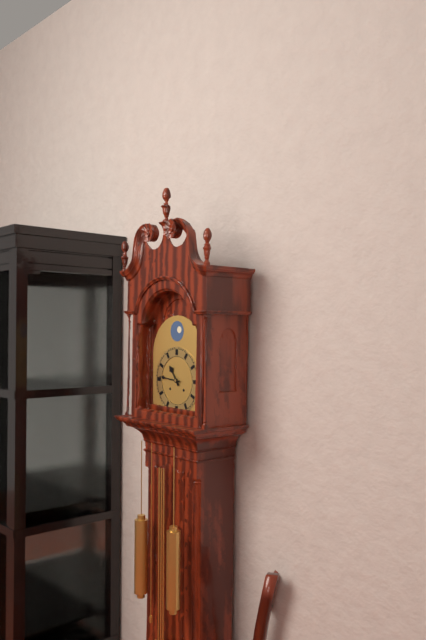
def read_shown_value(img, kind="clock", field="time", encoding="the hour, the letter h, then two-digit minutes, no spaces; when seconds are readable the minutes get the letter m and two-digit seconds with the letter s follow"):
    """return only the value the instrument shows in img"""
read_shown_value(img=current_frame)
10h46
